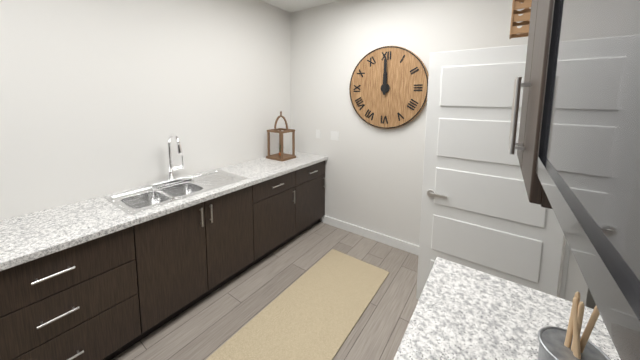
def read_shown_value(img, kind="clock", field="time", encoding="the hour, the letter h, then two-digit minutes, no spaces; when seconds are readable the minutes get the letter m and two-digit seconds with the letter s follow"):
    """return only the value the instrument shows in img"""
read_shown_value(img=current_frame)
12h00
